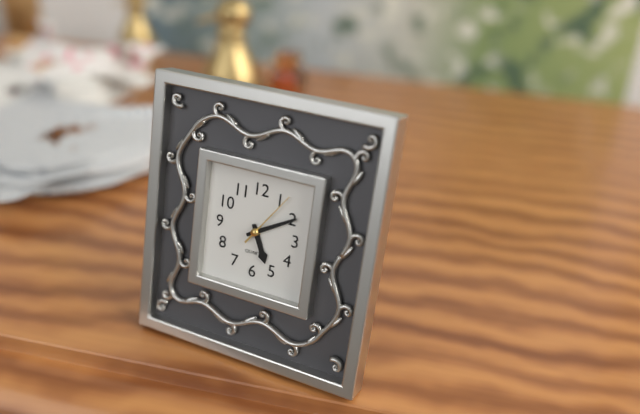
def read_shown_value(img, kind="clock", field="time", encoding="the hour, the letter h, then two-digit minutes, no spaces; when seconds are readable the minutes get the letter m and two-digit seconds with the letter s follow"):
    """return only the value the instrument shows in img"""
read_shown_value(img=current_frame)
5h10m06s
